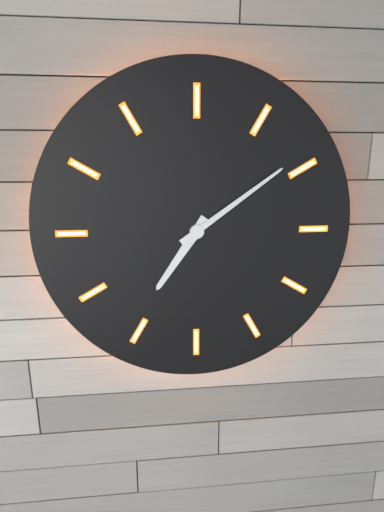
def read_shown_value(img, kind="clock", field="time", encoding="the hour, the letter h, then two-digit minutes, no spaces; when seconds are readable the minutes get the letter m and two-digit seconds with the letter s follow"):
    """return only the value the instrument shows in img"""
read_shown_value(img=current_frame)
7h09
